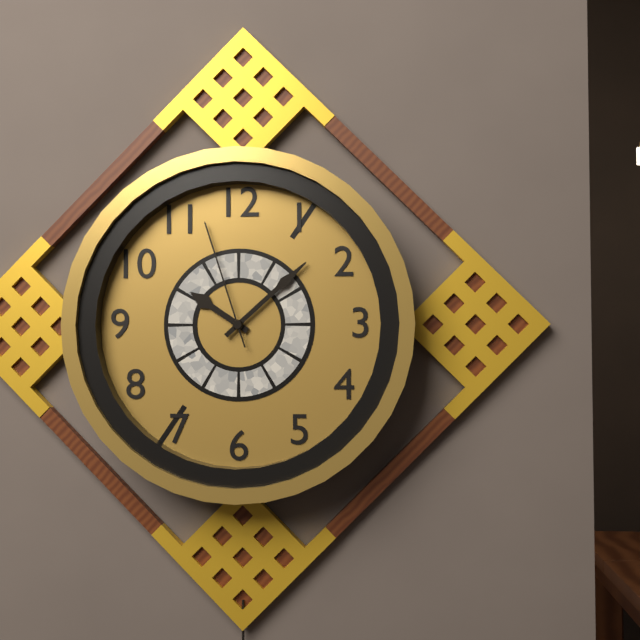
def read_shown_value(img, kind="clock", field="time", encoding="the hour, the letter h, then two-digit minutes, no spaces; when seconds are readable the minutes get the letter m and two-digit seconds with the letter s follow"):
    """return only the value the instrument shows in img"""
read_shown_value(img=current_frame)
10h08m57s
